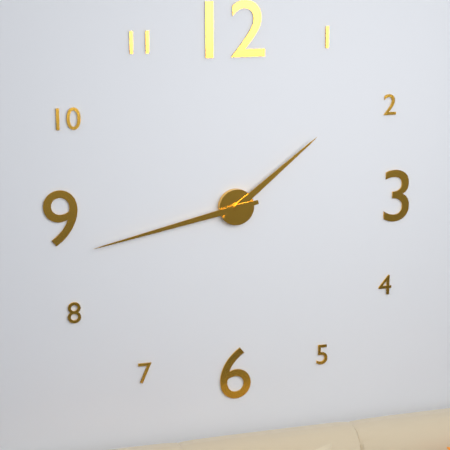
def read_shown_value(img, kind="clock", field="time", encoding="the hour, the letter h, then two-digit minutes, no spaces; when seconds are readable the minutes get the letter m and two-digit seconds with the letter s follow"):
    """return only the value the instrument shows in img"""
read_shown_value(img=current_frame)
1h43
